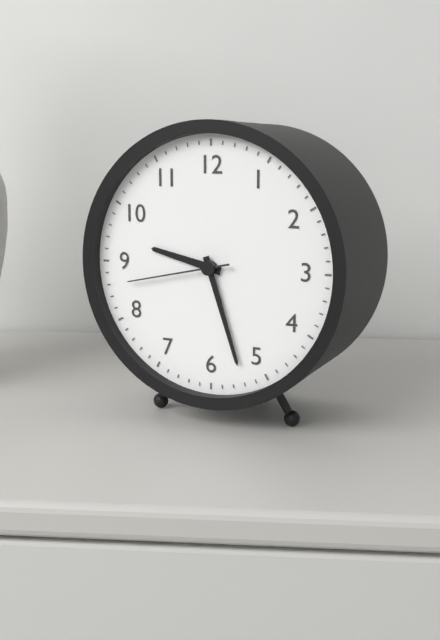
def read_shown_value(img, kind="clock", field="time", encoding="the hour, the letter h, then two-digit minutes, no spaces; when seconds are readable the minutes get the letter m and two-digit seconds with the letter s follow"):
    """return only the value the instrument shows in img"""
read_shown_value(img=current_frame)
9h27m43s
